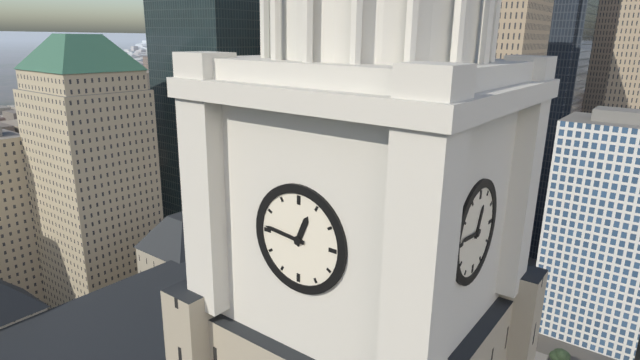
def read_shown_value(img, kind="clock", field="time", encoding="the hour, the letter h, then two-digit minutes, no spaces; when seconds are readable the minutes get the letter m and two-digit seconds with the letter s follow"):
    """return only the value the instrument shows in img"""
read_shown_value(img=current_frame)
12h46
